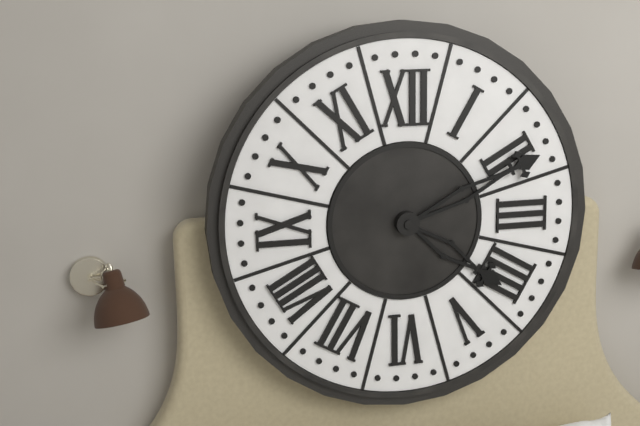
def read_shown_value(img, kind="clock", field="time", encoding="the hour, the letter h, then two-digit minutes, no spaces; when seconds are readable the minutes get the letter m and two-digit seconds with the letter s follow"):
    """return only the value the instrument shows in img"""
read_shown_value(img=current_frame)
4h11
